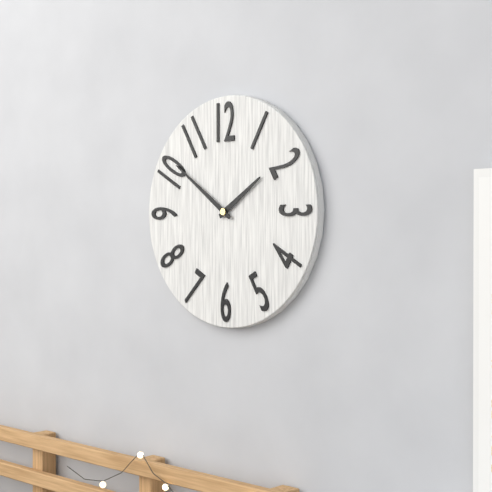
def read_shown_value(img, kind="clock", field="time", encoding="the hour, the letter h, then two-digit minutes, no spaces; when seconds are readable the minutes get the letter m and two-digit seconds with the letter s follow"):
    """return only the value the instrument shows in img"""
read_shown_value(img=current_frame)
1h51
